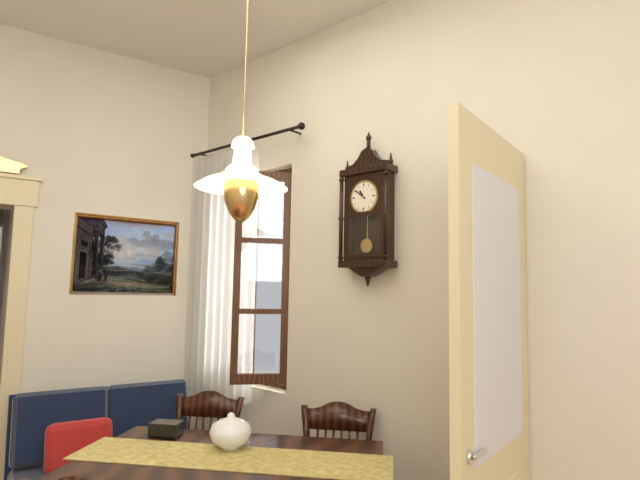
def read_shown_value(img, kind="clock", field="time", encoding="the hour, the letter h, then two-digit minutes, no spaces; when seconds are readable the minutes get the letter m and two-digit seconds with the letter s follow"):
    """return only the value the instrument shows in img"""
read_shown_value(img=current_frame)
10h51
